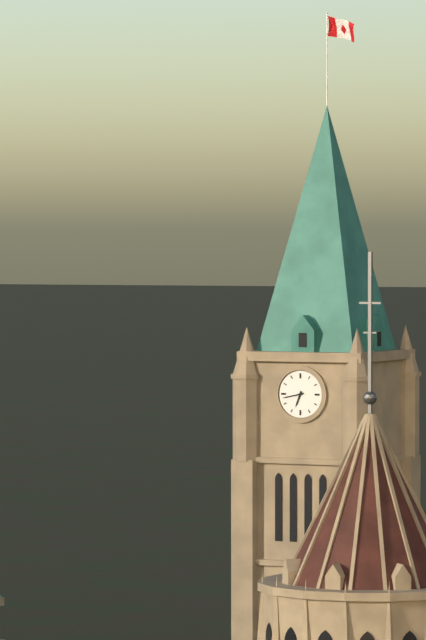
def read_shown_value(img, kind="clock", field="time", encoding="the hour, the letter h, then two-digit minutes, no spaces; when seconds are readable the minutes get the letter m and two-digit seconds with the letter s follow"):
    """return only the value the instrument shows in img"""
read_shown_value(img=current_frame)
6h43
